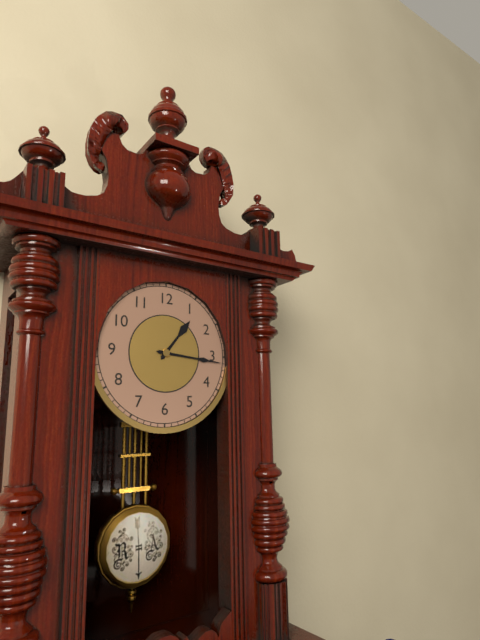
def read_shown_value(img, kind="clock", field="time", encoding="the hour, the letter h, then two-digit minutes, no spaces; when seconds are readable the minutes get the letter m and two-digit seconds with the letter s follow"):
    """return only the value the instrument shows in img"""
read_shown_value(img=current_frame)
1h16
